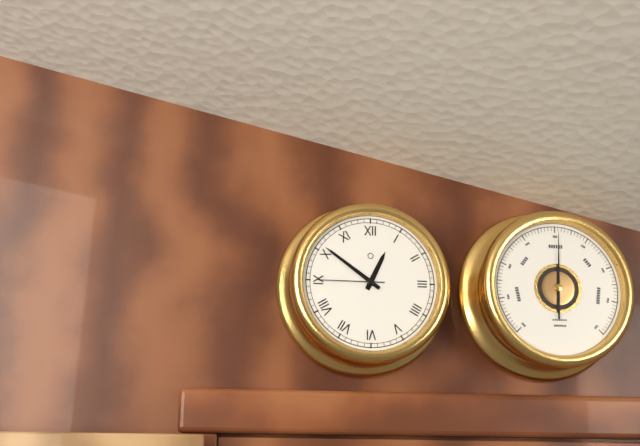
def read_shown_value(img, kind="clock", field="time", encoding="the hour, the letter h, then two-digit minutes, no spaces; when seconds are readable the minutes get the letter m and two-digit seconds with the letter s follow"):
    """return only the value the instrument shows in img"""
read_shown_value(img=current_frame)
12h51m45s
